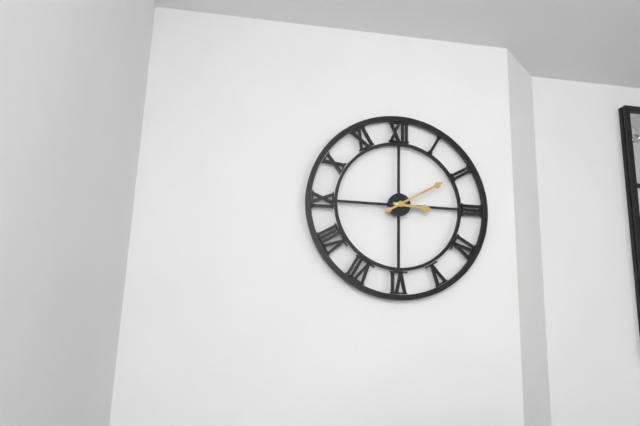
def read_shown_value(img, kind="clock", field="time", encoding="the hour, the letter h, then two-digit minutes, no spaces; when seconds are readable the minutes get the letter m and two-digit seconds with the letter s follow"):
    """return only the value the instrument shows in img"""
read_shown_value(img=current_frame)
3h10
